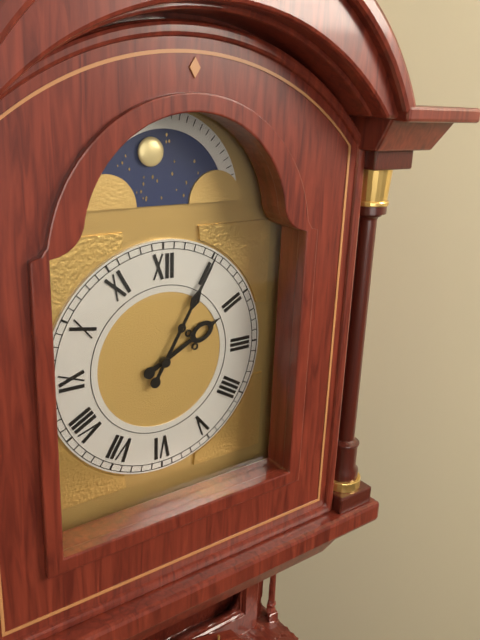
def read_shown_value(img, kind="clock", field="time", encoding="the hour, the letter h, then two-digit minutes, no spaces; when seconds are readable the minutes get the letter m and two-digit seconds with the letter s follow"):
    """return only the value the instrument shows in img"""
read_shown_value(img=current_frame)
2h05
